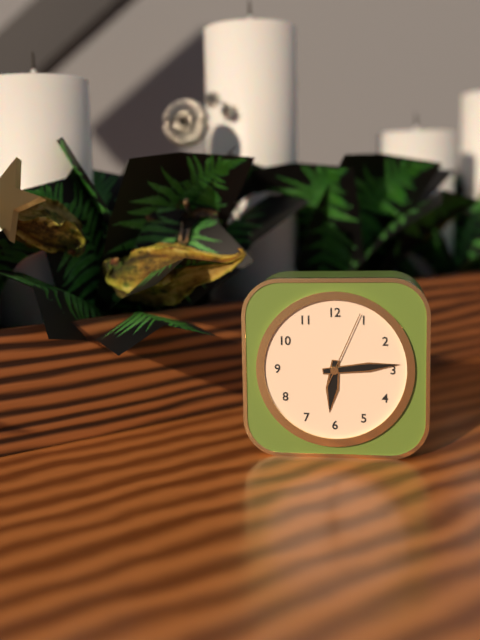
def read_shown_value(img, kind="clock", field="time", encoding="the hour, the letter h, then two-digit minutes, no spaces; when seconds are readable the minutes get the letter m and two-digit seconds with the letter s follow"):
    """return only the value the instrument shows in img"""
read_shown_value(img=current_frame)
6h14m04s
